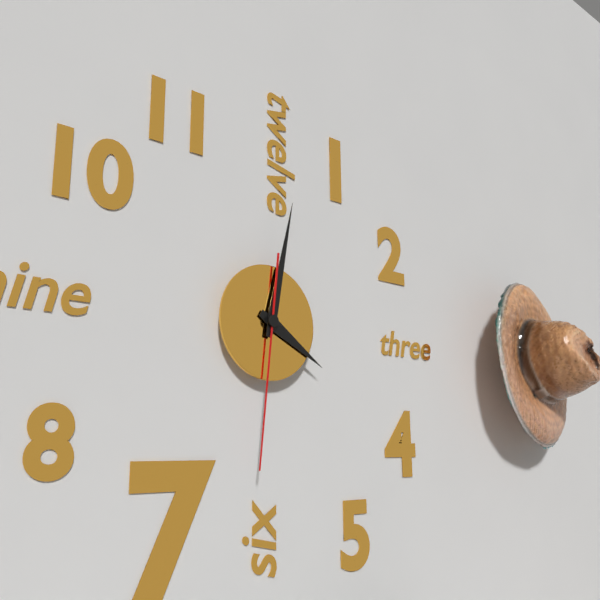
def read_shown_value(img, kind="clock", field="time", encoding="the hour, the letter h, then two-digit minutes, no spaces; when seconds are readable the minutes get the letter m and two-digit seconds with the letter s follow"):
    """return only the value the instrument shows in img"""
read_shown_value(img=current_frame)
4h02m31s
